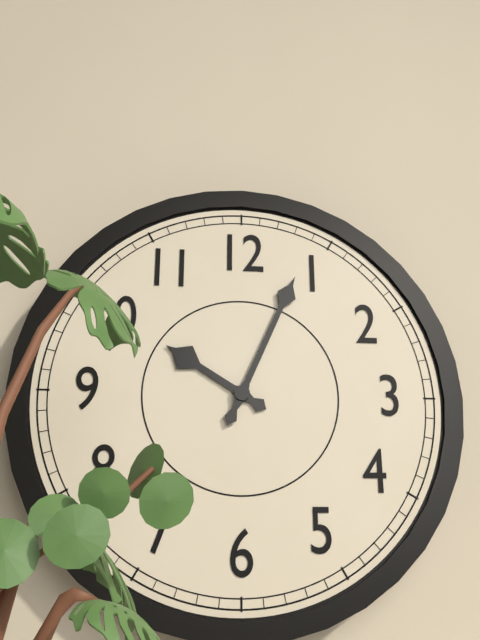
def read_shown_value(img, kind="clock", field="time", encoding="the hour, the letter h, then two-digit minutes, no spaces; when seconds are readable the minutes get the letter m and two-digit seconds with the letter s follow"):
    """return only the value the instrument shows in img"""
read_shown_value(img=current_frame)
10h04
